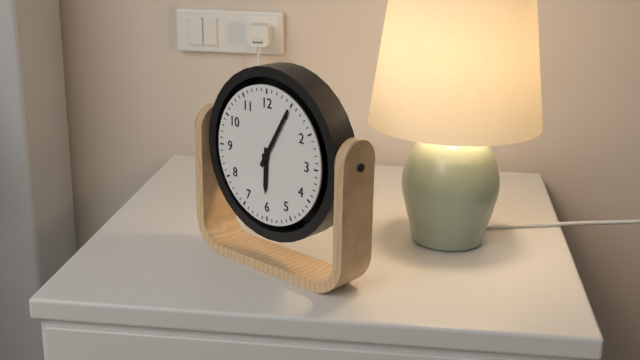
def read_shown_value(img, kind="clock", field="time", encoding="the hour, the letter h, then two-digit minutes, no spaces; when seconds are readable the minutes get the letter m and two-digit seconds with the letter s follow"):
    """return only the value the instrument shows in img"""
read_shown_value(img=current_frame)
6h05
